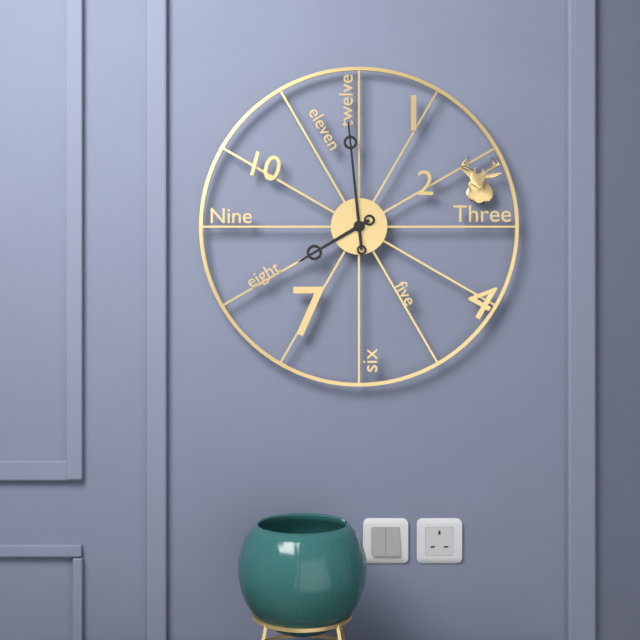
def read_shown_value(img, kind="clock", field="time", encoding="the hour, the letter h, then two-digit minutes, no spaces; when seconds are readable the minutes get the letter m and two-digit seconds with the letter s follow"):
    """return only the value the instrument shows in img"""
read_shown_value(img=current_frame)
7h59
